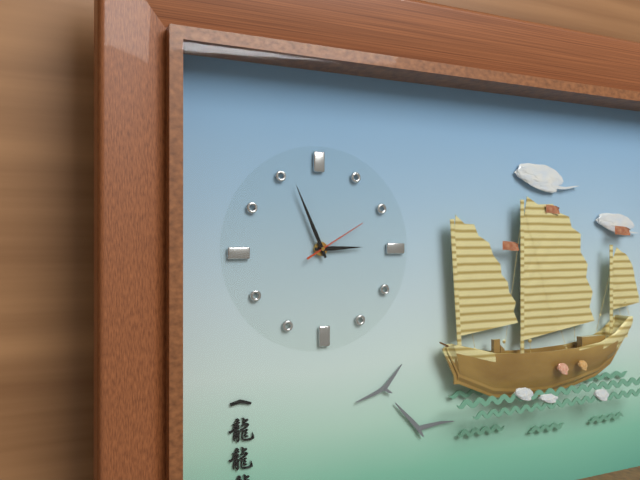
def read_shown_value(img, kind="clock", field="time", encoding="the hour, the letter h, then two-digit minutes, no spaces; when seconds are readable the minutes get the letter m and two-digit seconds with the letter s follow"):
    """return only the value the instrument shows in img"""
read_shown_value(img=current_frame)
2h56m10s
